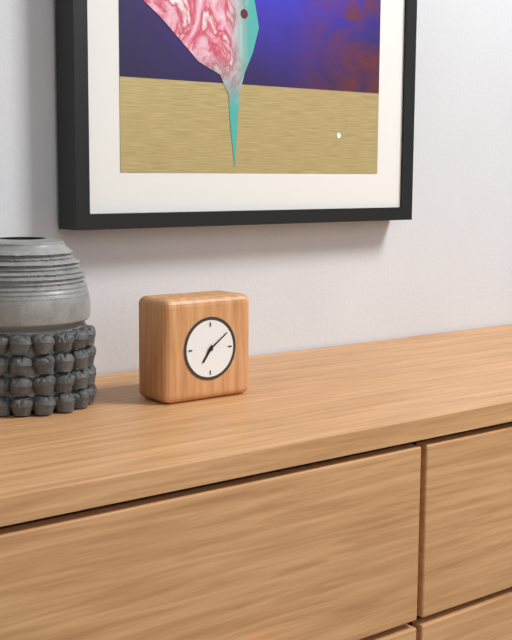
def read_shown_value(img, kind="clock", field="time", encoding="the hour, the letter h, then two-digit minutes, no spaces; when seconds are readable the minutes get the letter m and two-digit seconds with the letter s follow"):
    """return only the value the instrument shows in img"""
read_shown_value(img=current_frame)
7h09
